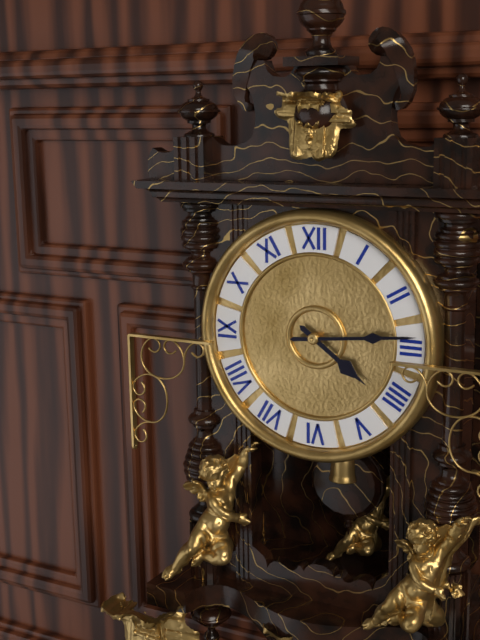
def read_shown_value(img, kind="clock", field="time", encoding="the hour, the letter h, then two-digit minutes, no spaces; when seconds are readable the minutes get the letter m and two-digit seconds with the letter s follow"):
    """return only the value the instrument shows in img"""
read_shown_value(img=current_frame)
4h14
